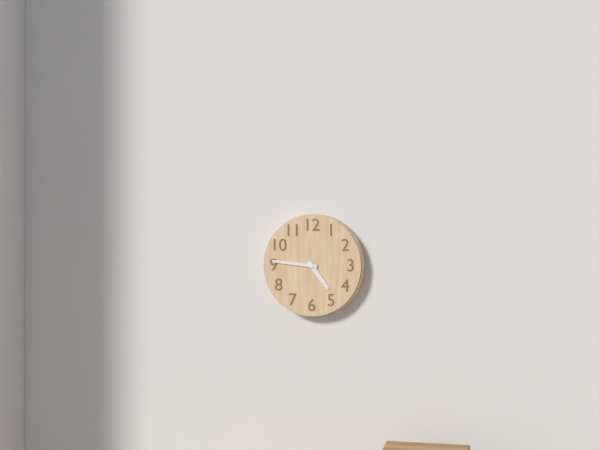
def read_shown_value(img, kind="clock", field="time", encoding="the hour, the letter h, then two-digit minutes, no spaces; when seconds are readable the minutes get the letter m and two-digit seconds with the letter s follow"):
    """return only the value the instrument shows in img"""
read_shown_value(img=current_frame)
4h46
